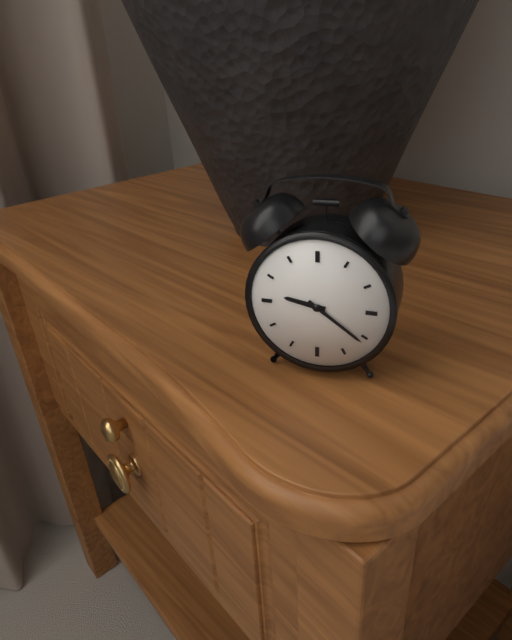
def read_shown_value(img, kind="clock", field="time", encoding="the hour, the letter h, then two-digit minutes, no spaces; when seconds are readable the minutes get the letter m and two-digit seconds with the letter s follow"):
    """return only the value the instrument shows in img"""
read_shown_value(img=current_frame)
9h21
